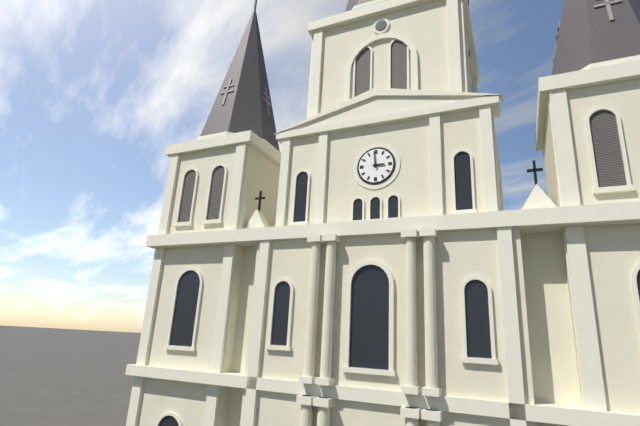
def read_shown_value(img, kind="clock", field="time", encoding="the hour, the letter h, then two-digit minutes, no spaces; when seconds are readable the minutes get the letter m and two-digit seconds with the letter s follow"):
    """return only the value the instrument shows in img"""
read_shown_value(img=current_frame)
2h59
